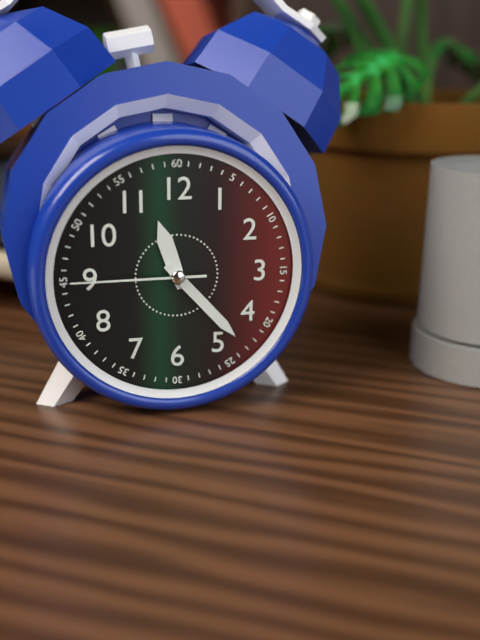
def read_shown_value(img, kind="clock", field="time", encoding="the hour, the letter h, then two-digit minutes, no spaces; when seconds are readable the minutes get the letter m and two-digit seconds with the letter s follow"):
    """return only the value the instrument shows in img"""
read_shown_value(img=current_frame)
11h23m45s
